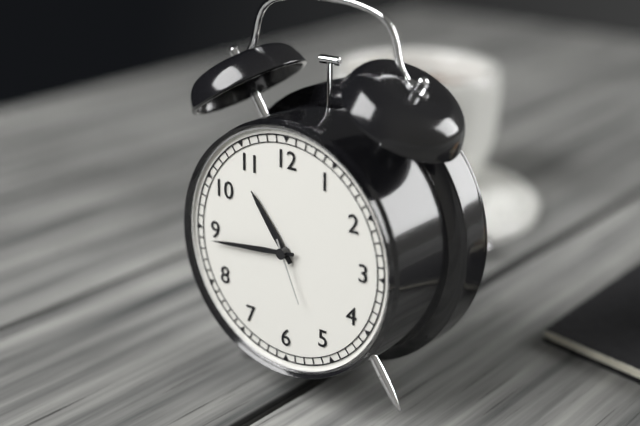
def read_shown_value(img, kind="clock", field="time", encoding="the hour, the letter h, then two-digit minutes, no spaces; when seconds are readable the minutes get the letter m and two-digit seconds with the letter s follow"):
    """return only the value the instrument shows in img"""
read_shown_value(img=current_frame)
10h44m26s
